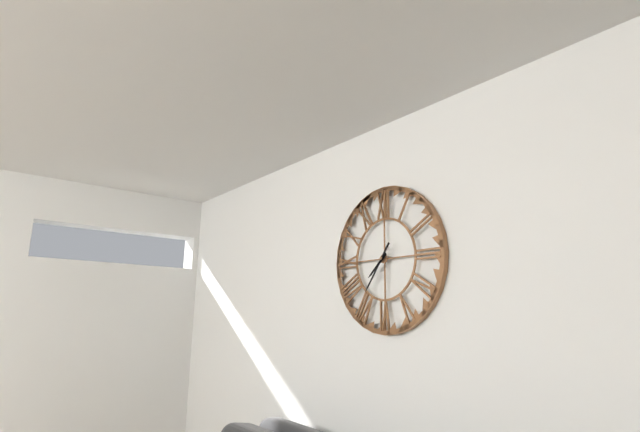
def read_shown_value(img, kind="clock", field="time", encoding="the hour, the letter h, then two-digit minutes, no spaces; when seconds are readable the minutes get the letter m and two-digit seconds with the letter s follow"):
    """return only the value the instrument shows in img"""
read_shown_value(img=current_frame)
7h36
